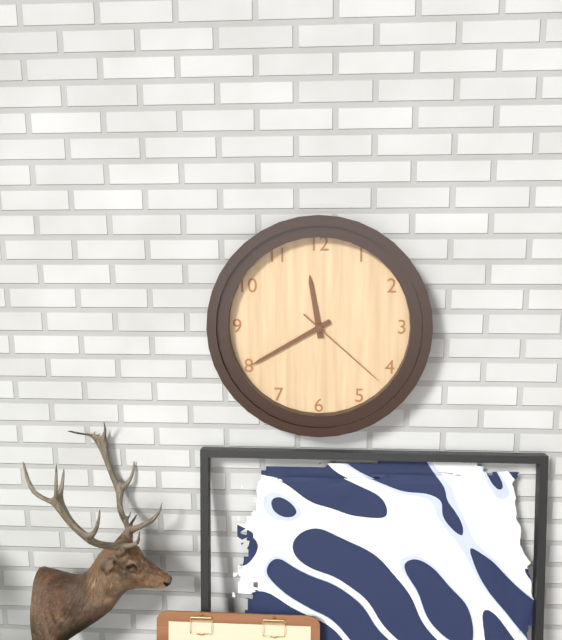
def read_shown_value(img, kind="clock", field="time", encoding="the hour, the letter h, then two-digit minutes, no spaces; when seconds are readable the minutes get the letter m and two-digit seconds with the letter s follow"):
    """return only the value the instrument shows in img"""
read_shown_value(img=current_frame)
11h40m22s
